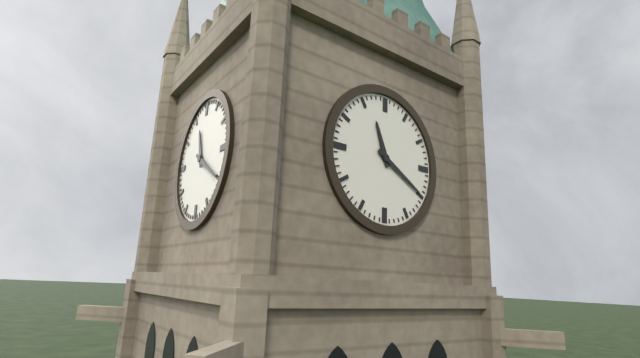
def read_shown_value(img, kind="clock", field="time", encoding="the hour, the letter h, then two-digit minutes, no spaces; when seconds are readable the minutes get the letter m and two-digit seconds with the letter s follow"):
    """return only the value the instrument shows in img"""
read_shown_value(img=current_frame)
11h20
